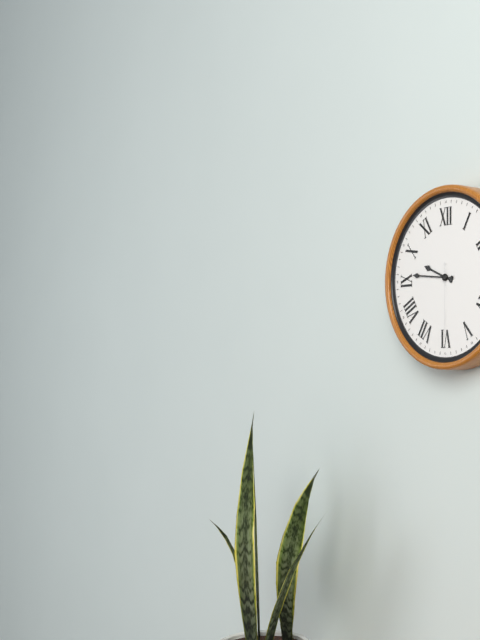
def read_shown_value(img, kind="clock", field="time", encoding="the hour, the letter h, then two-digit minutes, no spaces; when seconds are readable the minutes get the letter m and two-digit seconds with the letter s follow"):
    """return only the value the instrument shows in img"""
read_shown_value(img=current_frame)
9h46m30s
